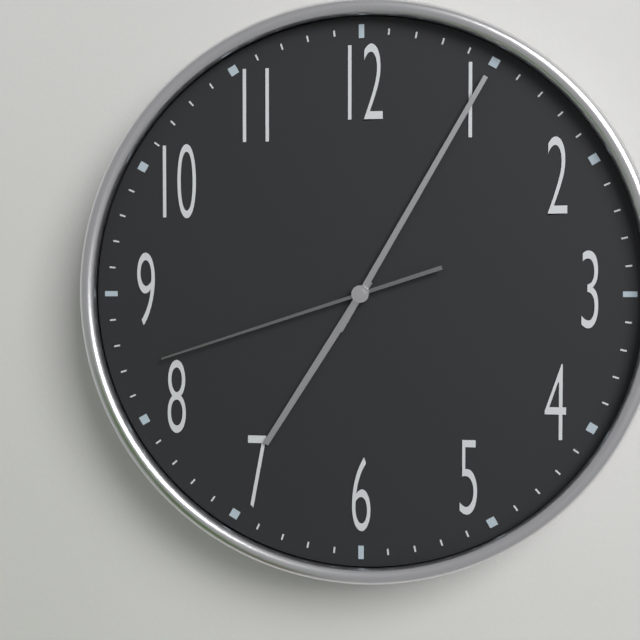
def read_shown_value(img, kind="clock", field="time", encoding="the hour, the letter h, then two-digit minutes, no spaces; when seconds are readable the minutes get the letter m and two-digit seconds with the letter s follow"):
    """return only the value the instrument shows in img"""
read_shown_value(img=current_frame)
7h05m42s
